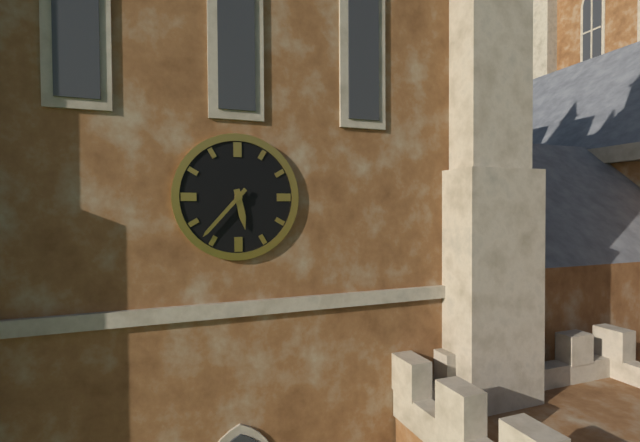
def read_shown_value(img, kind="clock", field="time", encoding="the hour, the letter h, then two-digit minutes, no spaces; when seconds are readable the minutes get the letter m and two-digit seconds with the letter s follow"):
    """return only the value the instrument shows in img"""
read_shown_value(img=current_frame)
5h37
